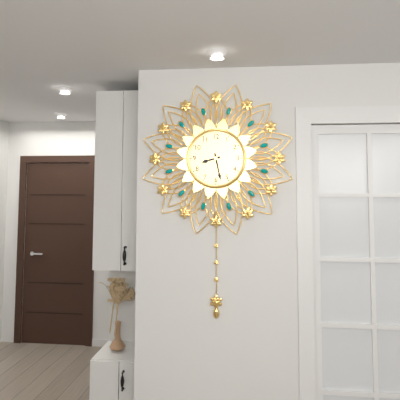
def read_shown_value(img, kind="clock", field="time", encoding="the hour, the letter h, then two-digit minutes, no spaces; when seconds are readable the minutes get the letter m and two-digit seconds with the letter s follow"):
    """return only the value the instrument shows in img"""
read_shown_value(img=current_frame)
8h28
